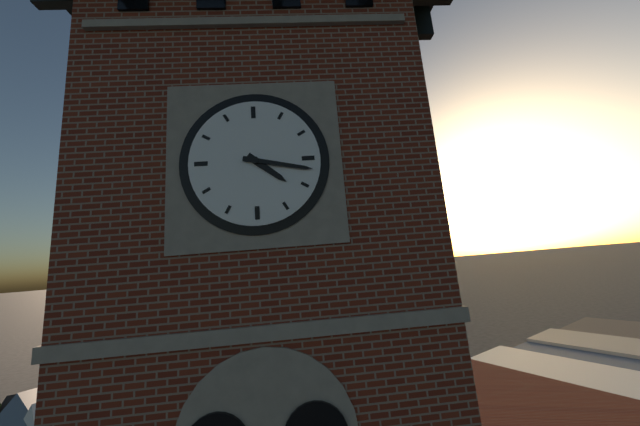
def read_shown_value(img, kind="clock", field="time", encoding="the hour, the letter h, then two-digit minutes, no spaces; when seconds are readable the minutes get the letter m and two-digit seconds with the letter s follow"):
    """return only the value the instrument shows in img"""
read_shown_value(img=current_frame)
4h17
